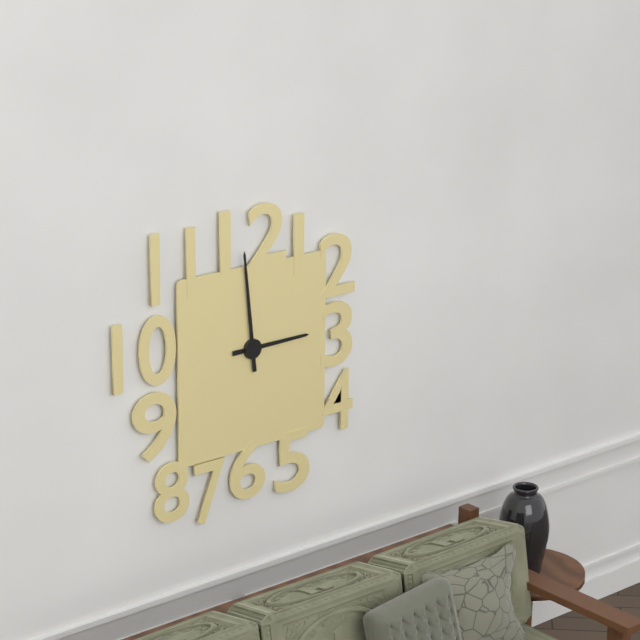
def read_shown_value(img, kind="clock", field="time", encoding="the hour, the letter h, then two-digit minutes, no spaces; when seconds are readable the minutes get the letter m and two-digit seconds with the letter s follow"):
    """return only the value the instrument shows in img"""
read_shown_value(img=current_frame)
2h59
